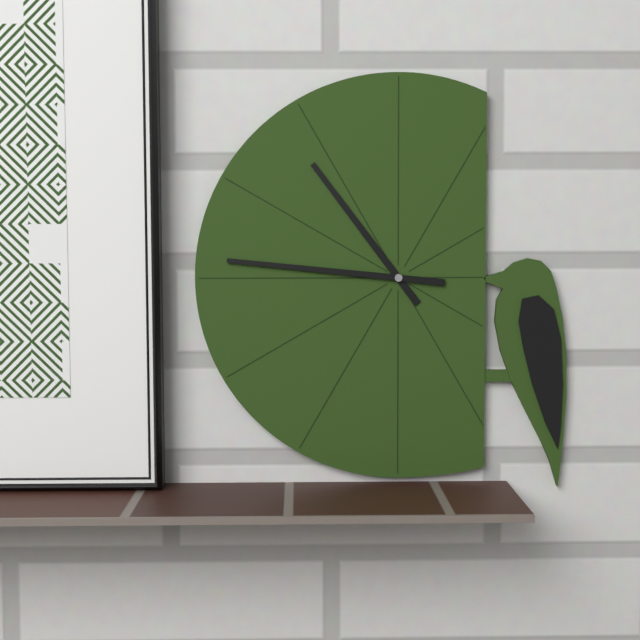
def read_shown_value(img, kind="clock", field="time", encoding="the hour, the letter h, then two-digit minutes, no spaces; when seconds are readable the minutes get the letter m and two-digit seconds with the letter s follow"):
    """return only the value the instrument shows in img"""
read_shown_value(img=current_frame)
10h46
